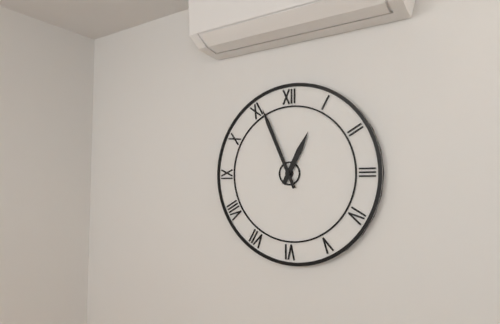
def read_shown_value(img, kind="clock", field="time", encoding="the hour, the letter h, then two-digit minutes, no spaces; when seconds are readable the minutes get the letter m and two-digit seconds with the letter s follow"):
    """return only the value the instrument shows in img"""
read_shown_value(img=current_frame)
12h56
